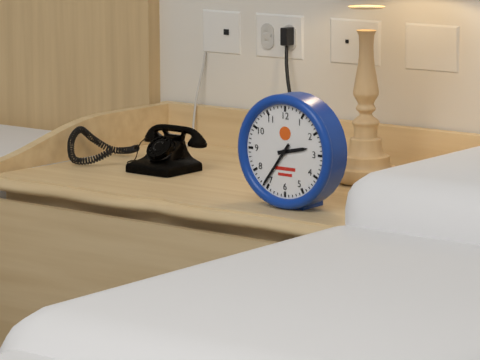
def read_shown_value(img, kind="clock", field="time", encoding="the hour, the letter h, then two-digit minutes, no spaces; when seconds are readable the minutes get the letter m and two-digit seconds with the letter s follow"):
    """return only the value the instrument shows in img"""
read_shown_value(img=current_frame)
2h36
